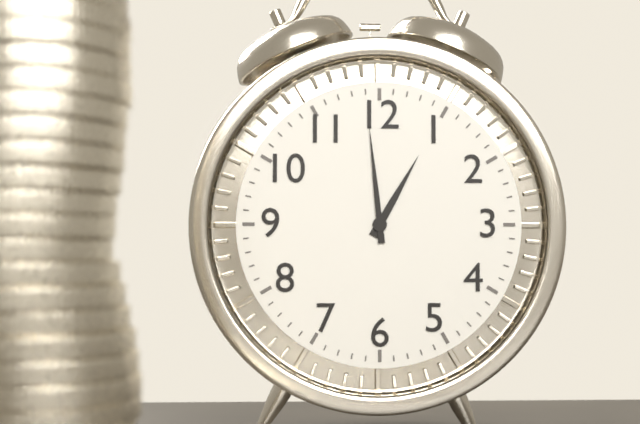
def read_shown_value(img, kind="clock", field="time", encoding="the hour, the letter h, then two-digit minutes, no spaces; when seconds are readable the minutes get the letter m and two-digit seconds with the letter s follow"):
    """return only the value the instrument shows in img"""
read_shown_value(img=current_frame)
12h59
